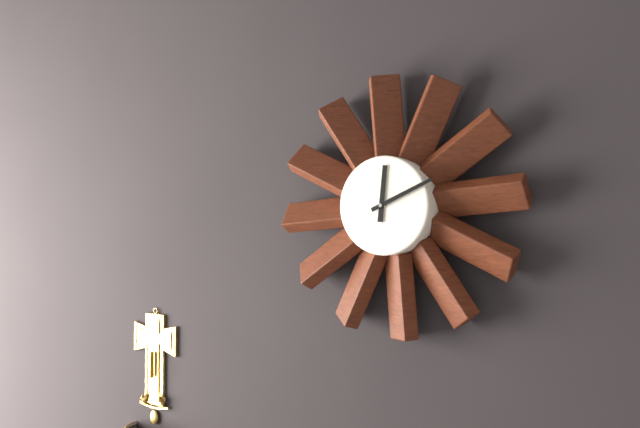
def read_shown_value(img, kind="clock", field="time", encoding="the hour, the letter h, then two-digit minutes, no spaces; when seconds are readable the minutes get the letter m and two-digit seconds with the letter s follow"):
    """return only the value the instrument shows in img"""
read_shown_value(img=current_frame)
12h11
